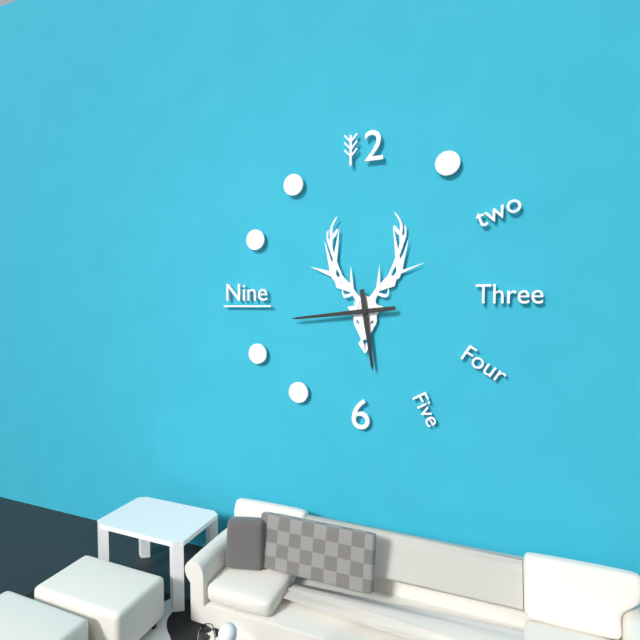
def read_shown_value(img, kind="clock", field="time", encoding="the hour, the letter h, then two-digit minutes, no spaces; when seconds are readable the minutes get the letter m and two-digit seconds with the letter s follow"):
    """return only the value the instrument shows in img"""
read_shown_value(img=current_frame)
5h44
